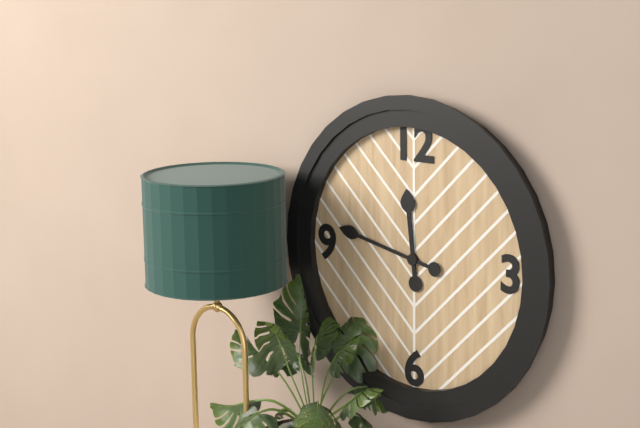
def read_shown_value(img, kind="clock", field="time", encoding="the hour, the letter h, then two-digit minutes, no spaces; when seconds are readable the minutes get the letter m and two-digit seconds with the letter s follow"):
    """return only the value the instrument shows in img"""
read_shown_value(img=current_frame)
11h47
